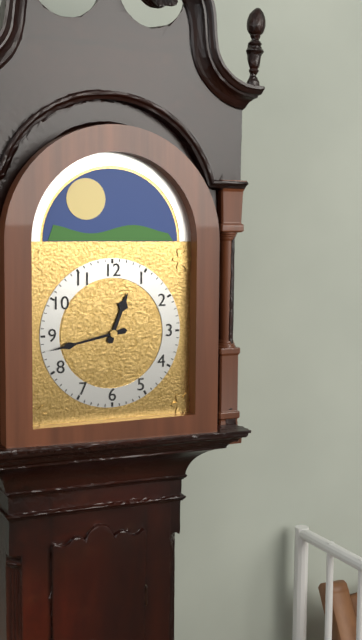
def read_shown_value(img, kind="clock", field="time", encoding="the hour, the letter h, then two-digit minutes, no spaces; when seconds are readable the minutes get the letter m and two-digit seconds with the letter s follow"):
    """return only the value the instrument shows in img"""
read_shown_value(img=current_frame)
12h43
